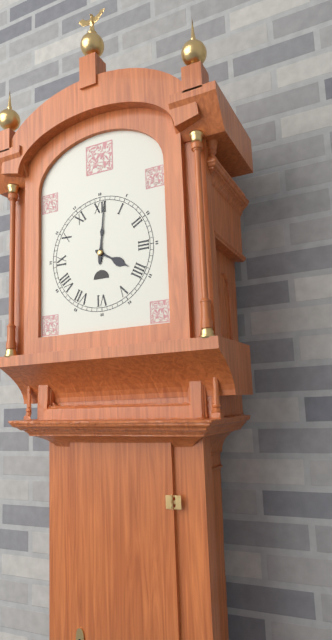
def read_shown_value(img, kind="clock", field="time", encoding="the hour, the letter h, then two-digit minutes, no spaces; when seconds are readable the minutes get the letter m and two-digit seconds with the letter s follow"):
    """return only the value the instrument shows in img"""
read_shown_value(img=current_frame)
4h01
